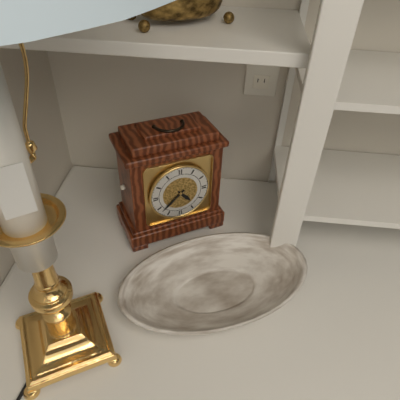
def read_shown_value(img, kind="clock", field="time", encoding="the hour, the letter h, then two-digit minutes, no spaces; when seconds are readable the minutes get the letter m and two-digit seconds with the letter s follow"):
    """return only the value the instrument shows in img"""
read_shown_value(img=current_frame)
4h38
